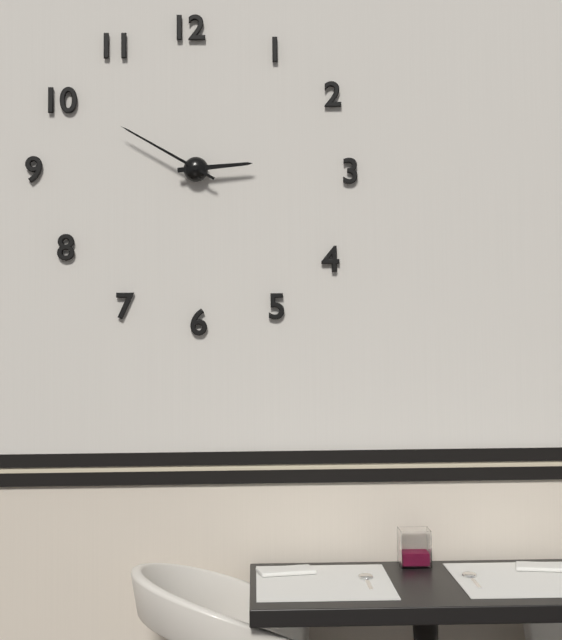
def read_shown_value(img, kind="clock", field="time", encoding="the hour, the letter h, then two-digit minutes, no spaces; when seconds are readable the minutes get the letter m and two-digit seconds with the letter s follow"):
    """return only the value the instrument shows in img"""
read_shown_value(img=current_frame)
2h50
